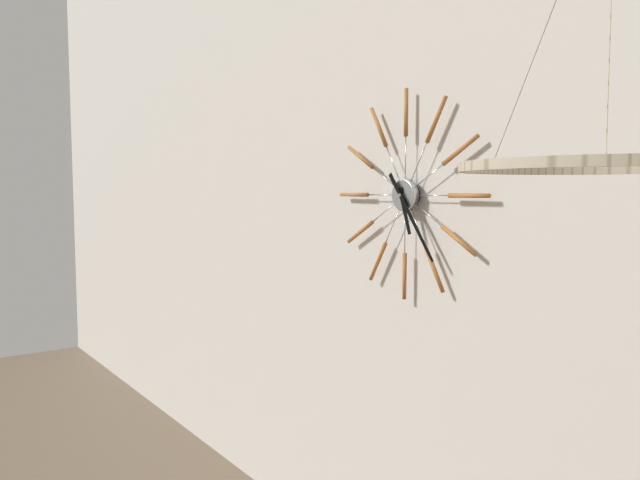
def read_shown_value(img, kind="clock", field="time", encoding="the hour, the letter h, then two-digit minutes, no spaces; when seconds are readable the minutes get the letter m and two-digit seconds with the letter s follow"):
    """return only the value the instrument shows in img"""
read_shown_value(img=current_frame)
5h24
